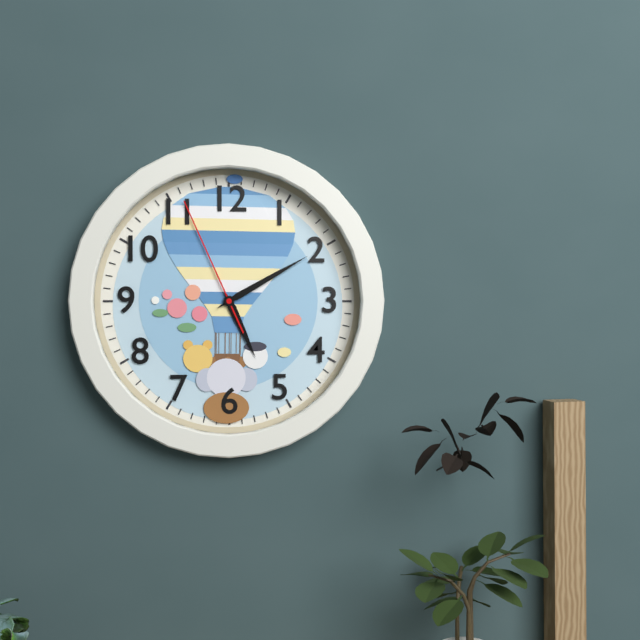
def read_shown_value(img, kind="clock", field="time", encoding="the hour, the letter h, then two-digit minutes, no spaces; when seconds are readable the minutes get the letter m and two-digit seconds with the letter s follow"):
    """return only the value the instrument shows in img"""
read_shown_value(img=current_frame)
5h10m56s
